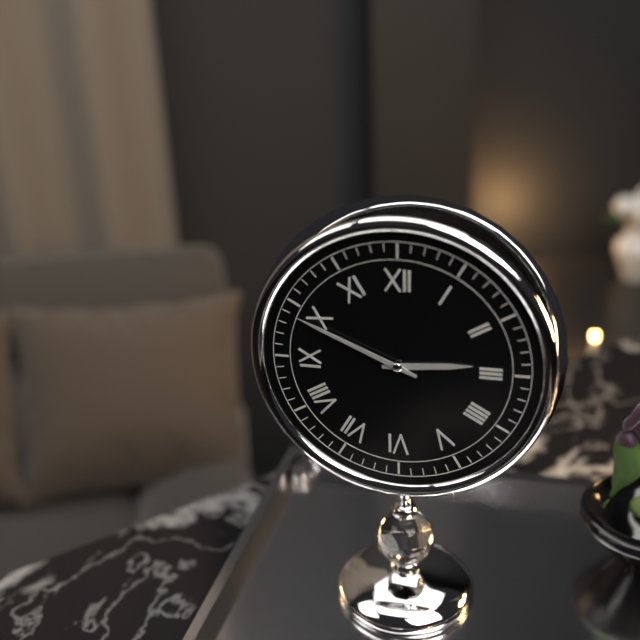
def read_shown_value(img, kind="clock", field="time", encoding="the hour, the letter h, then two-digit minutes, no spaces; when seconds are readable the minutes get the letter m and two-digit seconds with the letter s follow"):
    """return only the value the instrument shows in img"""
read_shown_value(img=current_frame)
2h49
